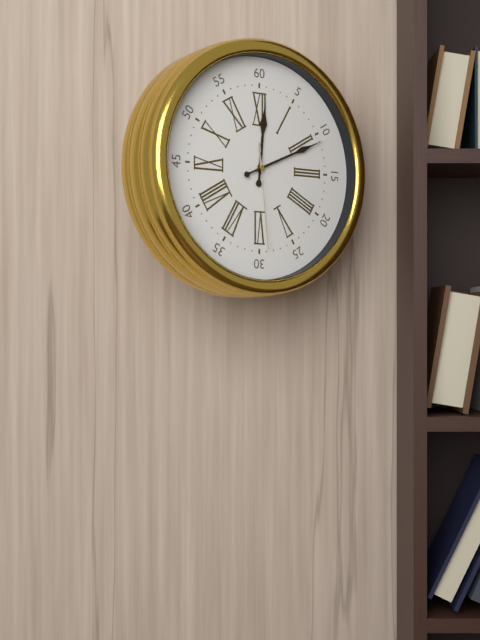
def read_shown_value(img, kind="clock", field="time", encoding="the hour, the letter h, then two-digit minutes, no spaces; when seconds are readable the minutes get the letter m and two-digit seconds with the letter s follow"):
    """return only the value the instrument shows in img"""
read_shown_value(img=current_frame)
12h11m29s
